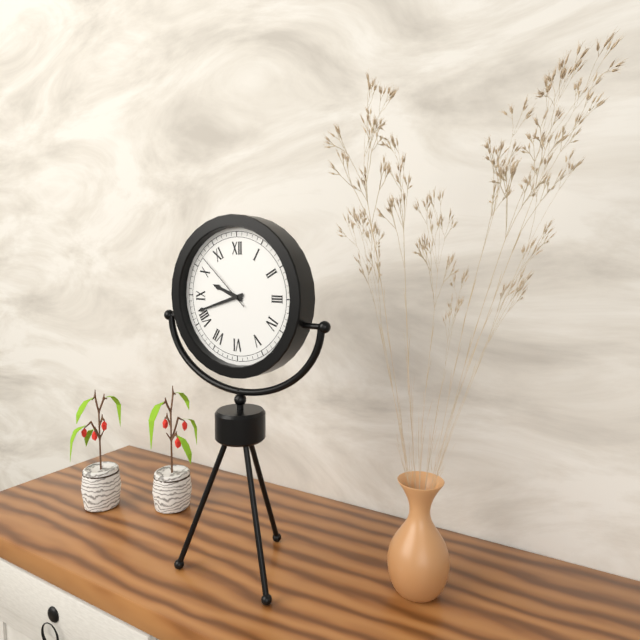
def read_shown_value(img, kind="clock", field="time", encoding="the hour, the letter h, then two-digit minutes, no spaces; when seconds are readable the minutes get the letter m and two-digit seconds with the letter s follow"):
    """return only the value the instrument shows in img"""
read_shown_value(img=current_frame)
9h42m52s
